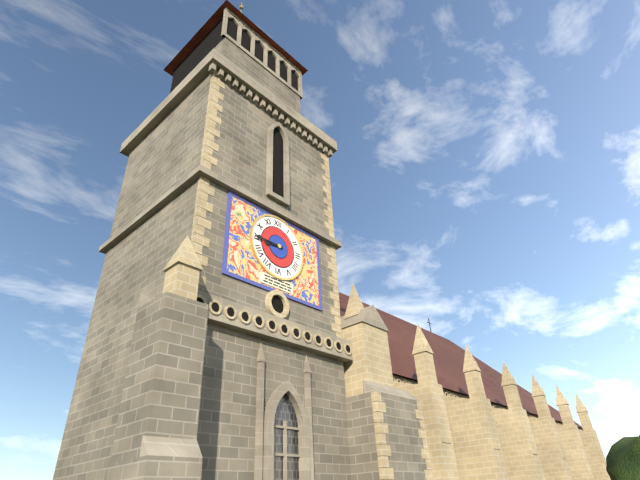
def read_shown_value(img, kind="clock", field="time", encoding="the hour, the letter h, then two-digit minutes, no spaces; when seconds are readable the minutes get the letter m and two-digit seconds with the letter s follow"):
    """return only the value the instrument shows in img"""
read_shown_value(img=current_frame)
8h45
